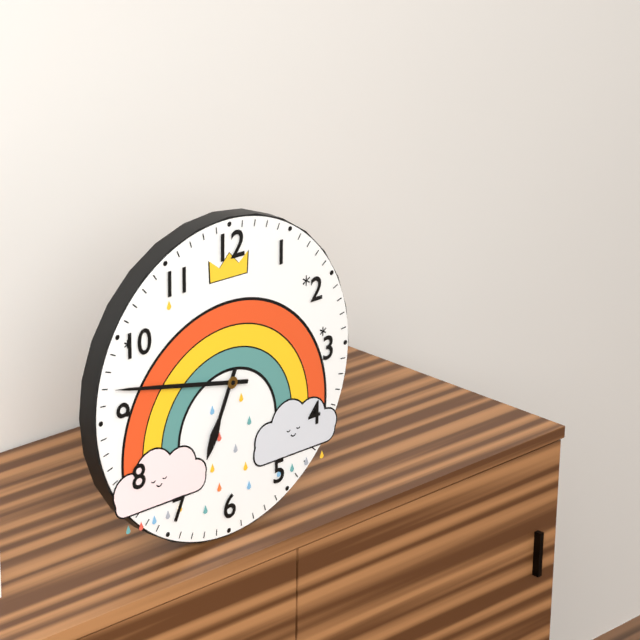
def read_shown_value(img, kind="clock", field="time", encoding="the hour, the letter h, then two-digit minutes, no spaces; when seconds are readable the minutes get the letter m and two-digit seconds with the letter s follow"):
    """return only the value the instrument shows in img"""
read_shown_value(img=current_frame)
6h47
